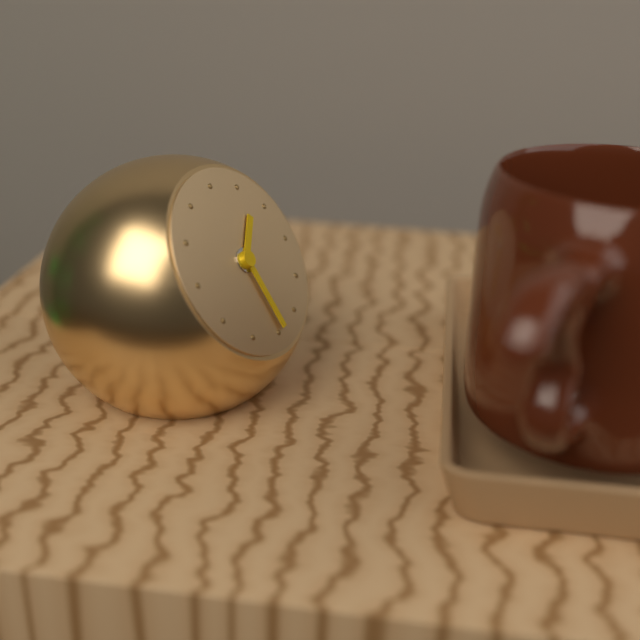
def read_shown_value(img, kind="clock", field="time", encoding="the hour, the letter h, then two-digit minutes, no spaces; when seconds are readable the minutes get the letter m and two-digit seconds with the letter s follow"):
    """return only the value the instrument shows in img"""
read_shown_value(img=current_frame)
1h29
